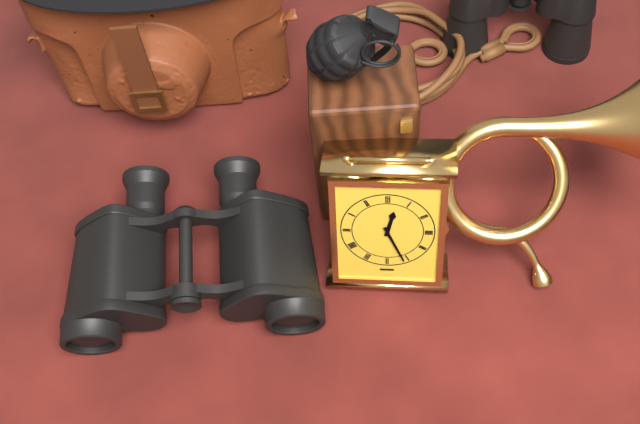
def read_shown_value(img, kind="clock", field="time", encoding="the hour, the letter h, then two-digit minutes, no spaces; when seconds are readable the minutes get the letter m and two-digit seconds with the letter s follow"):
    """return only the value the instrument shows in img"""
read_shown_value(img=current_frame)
12h26
